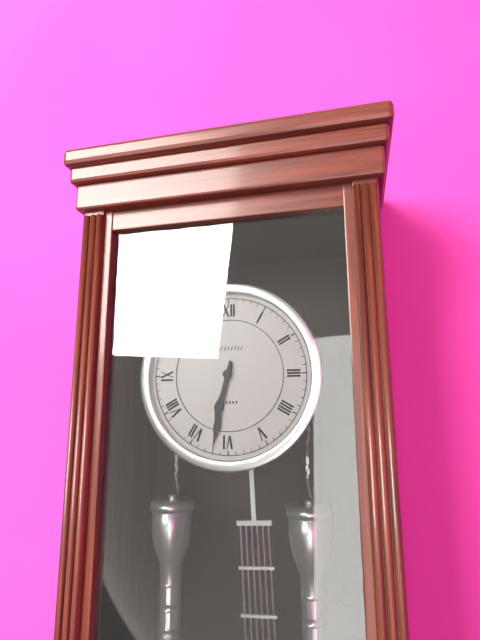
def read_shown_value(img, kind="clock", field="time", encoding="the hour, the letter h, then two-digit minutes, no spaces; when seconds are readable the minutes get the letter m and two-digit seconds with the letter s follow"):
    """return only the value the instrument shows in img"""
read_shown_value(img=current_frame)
6h32
